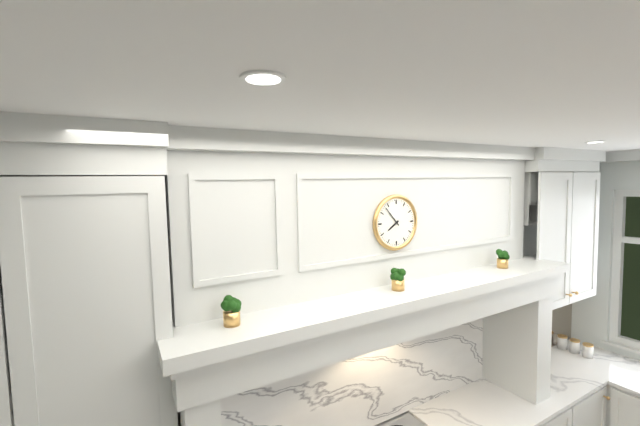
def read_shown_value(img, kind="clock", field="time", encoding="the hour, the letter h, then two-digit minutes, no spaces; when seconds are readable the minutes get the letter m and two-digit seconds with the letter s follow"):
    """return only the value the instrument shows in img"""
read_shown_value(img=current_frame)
7h53
